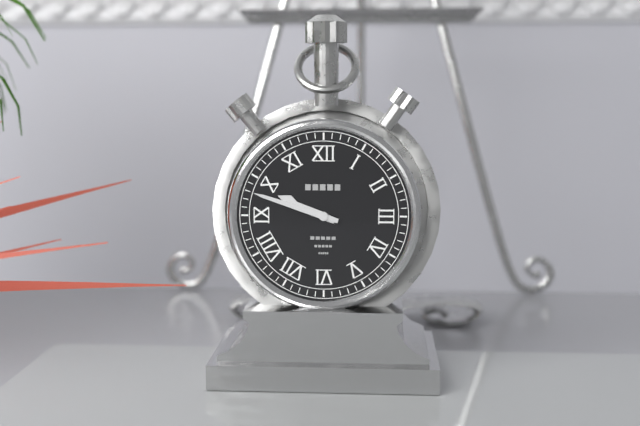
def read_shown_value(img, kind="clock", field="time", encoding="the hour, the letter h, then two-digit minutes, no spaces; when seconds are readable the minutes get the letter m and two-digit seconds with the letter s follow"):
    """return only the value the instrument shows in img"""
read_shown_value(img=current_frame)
9h48
